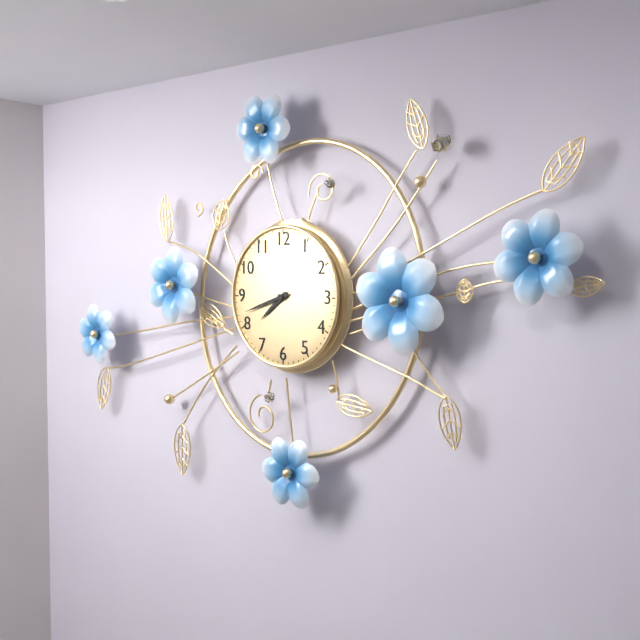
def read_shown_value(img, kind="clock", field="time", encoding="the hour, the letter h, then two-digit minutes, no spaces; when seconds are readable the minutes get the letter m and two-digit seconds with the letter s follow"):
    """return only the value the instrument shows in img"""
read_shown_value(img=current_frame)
7h42
